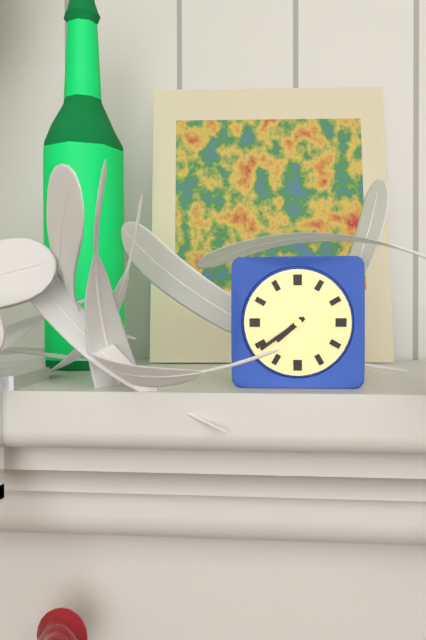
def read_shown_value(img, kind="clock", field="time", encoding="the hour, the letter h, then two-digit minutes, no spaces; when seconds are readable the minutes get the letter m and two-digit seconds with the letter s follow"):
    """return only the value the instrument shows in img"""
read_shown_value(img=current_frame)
7h39
